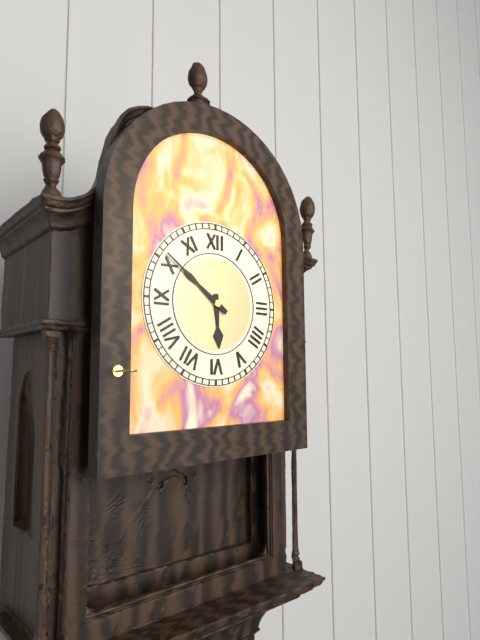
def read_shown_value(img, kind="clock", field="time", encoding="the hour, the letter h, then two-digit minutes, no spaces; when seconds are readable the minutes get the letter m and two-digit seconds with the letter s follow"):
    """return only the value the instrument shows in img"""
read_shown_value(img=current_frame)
5h51
